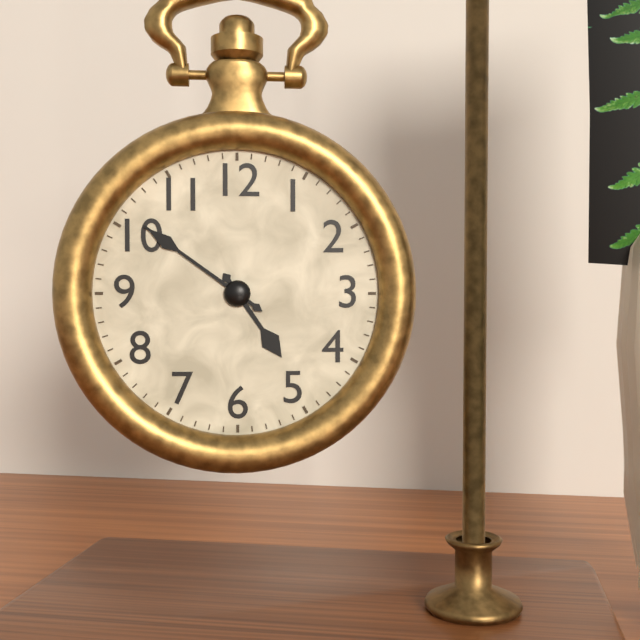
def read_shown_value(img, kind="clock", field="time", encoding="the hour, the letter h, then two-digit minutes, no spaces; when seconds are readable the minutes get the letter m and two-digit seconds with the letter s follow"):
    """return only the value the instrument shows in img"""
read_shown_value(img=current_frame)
4h51
